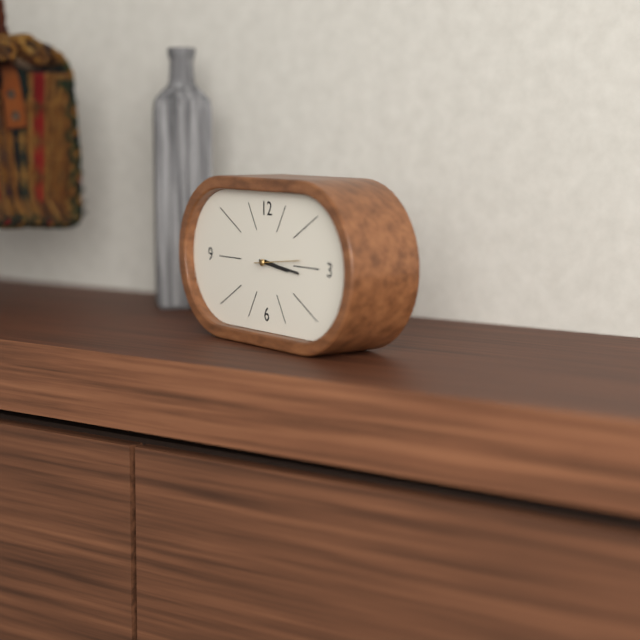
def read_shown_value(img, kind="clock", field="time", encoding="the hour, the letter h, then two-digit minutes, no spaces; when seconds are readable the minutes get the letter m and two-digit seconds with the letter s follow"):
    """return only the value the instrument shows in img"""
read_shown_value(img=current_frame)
3h16
